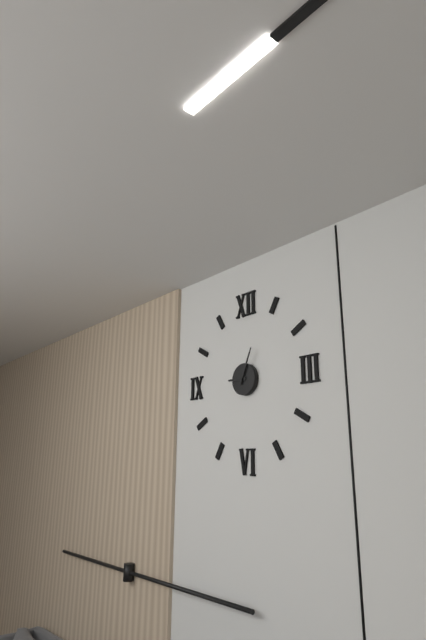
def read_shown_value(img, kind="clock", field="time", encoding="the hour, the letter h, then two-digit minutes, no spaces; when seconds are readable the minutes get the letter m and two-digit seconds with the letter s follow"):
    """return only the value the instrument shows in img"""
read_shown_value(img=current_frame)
9h04
